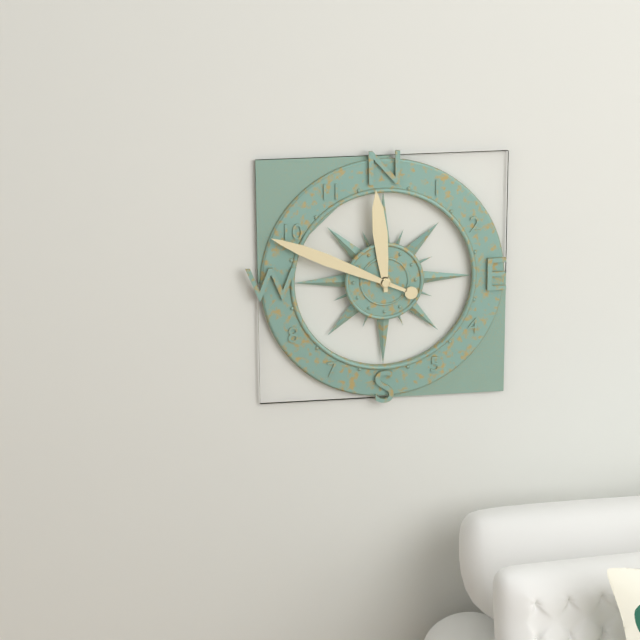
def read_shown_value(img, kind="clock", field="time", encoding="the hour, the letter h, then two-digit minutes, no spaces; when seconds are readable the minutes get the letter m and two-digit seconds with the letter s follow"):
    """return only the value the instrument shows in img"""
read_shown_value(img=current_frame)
11h49
